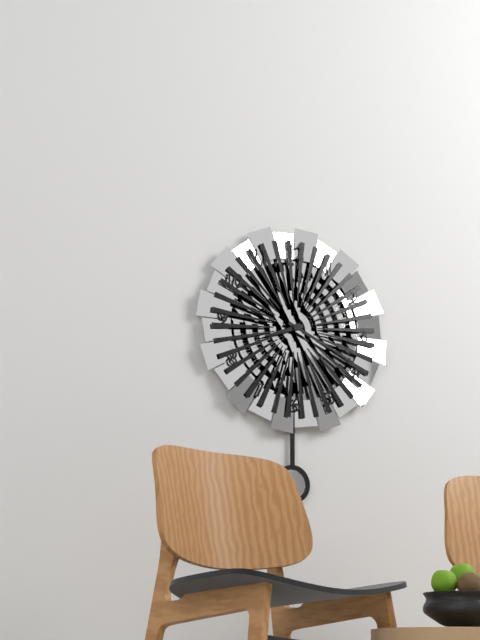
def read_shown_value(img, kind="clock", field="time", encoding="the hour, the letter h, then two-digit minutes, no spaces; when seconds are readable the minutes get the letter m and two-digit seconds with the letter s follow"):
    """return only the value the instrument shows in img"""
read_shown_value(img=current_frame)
8h19
